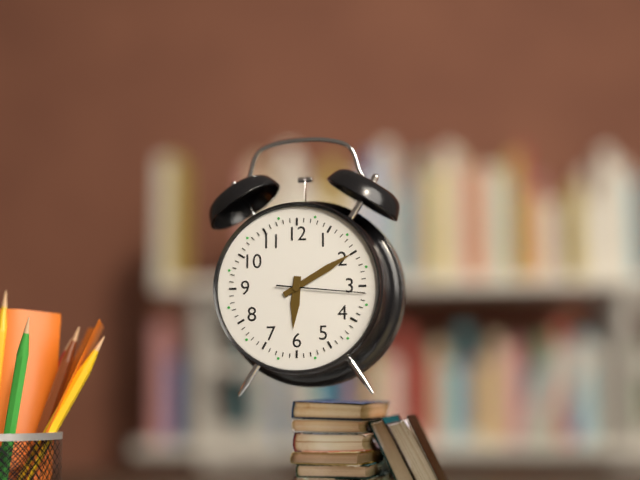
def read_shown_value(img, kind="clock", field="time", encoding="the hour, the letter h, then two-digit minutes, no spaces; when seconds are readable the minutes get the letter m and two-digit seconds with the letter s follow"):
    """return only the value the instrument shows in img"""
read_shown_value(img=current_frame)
6h10m16s
